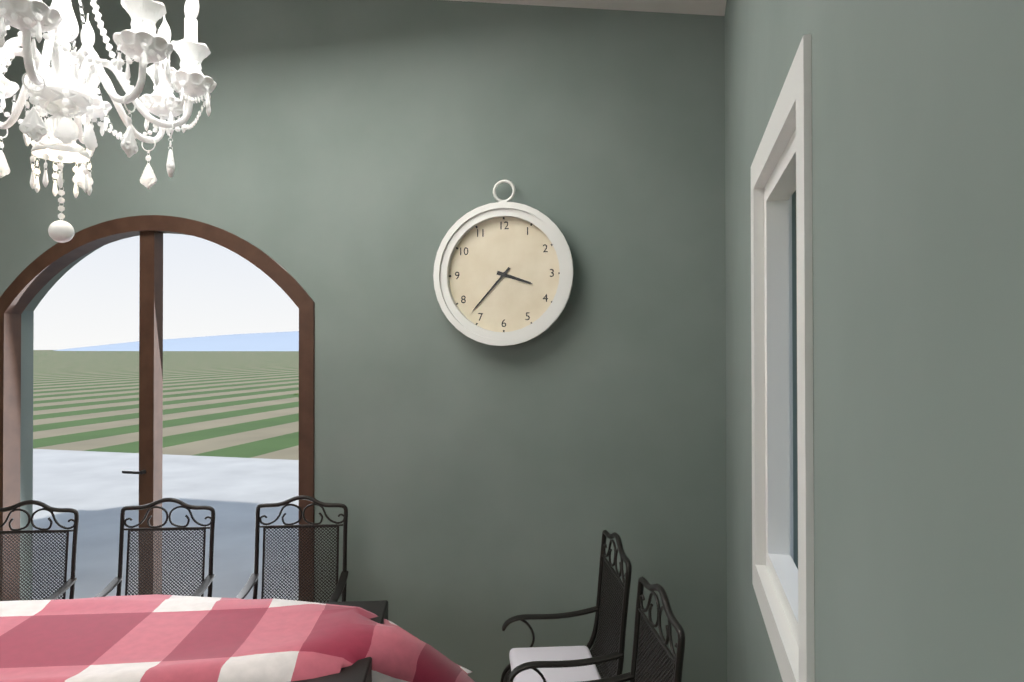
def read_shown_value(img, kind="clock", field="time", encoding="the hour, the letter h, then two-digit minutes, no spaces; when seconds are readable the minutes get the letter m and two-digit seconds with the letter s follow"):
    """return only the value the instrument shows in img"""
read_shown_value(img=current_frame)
3h37
